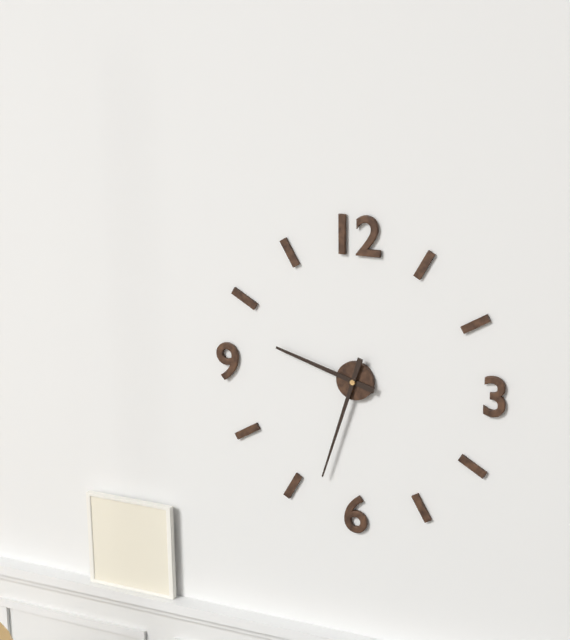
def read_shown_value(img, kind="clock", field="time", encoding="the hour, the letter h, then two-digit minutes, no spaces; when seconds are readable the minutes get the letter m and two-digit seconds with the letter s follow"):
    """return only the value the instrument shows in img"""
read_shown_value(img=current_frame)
9h33
